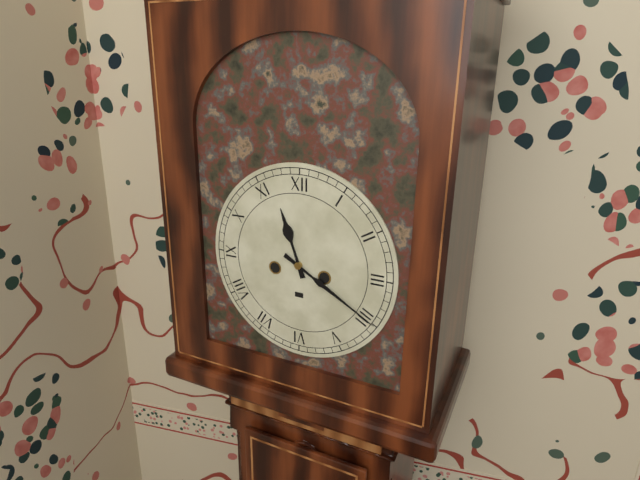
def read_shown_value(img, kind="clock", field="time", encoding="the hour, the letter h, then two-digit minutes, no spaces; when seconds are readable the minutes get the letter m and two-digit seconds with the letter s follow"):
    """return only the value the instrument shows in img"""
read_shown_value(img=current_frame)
11h20
